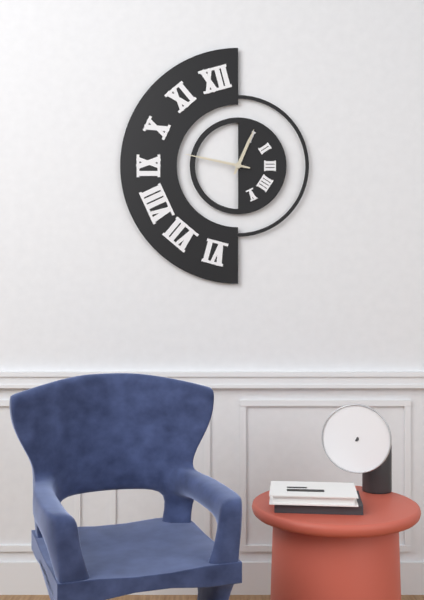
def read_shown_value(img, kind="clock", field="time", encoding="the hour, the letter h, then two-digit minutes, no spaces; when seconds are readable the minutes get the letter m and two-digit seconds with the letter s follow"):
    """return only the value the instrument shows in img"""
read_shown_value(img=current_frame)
12h47
